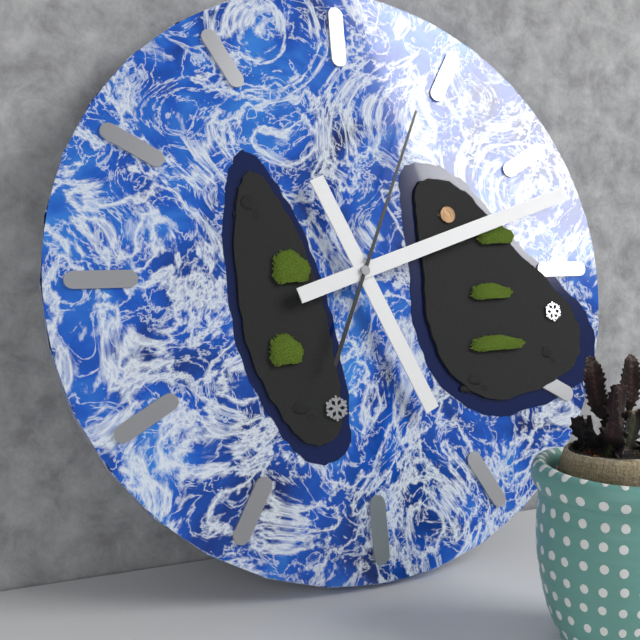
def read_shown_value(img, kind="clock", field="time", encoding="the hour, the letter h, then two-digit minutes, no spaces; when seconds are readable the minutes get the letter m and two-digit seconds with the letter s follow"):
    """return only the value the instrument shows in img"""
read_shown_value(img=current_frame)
5h12m04s
